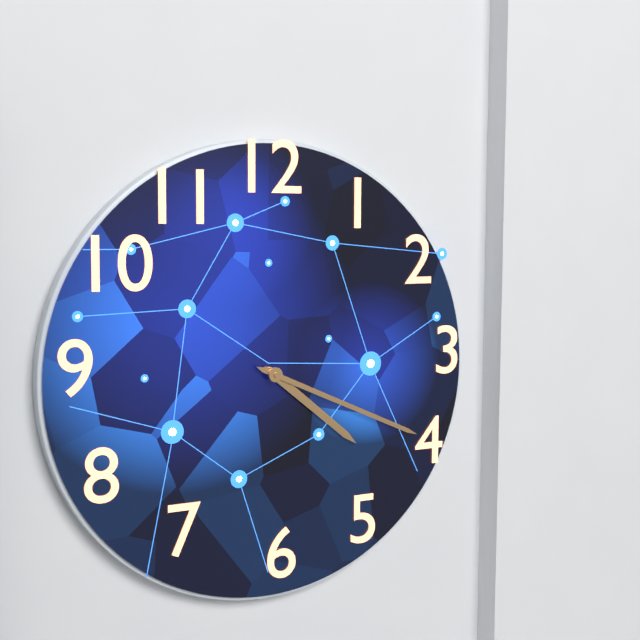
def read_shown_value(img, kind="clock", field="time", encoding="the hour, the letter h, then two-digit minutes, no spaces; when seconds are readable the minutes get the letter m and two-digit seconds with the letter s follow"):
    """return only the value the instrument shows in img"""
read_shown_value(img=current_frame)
4h19
